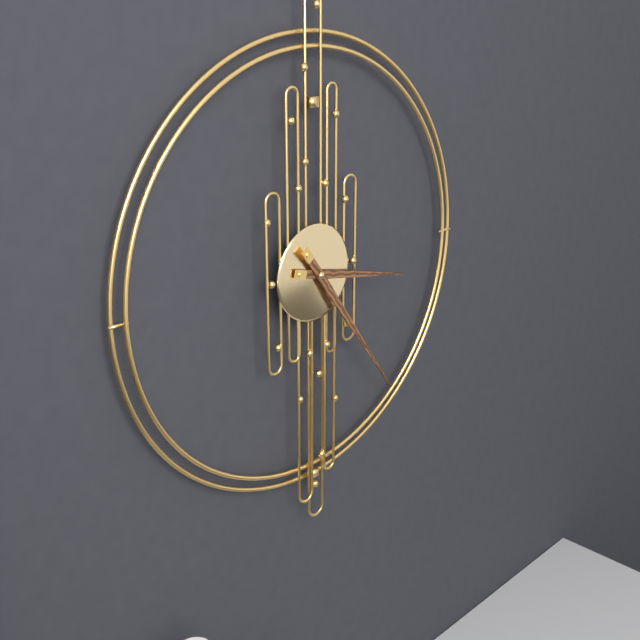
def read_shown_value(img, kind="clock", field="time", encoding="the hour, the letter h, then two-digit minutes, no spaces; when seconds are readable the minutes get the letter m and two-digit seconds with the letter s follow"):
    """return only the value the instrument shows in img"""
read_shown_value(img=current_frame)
3h24
